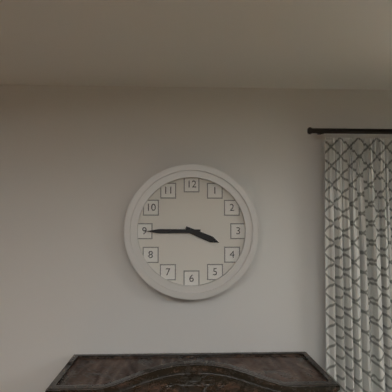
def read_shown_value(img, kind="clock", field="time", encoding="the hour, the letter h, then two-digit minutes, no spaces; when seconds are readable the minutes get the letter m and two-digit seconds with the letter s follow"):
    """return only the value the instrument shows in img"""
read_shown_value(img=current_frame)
3h45
